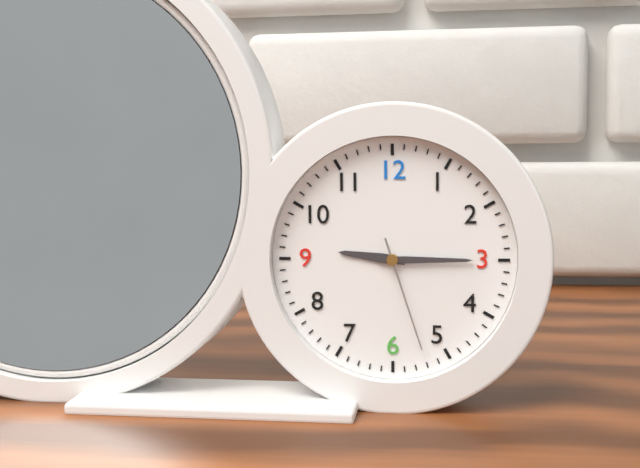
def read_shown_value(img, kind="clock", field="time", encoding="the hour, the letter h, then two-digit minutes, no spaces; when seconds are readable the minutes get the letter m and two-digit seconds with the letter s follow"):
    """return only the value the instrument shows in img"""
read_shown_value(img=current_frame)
9h15m27s
